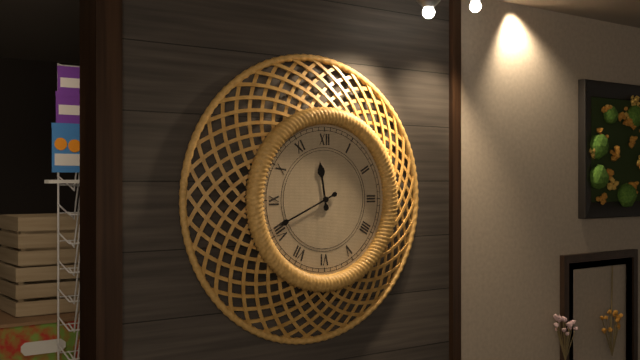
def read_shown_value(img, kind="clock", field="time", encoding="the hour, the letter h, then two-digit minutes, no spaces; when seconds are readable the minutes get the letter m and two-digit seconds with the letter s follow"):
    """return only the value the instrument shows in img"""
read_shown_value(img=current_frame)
11h41
